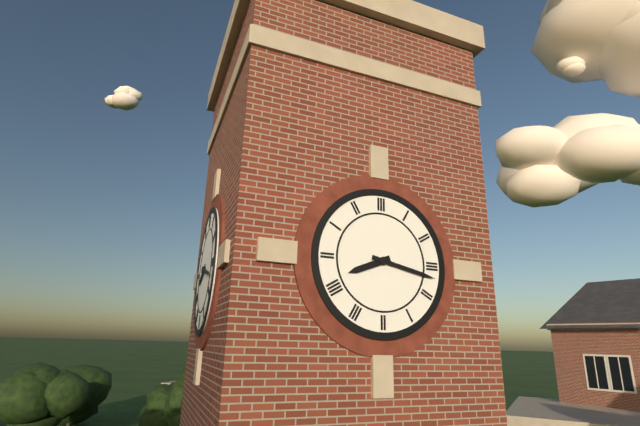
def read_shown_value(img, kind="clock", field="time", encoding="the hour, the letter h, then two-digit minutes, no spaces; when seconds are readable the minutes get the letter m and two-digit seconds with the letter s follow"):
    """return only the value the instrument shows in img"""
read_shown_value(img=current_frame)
8h17
